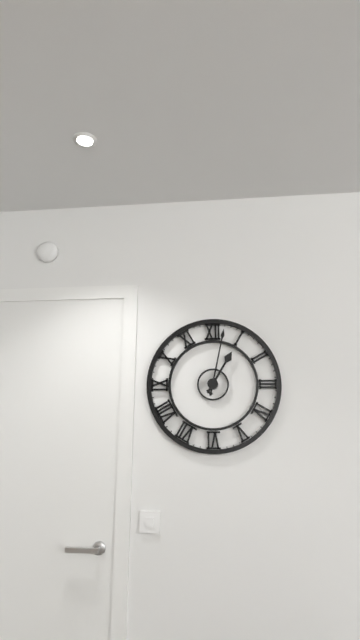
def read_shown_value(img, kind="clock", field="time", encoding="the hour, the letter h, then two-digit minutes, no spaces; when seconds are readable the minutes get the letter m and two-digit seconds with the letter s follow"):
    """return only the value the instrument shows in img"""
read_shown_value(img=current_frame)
1h02
